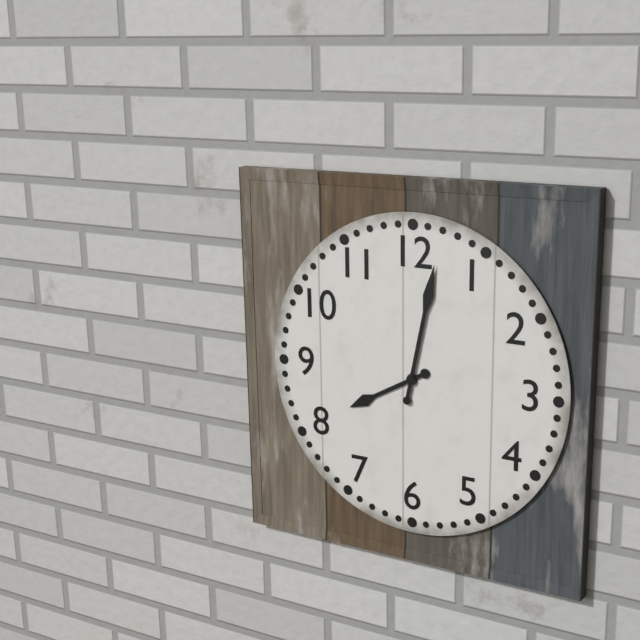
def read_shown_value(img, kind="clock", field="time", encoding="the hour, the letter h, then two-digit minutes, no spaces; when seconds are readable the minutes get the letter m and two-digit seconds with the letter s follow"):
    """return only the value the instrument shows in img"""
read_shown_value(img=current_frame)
8h02
